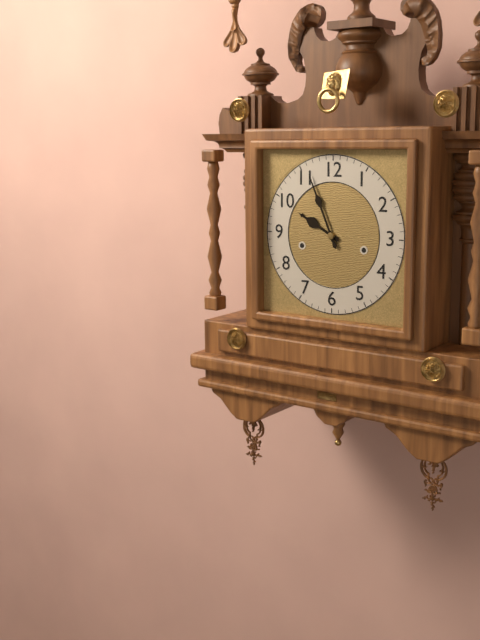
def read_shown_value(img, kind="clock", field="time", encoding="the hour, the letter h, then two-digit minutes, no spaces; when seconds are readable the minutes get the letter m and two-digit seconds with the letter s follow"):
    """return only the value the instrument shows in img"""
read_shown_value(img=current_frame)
9h56
